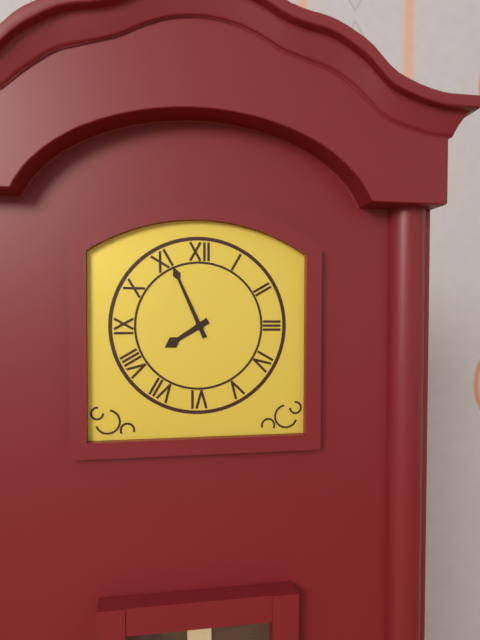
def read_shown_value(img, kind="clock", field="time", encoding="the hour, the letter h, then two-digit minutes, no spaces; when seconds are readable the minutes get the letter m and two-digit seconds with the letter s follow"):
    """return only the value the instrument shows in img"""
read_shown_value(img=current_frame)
7h56
